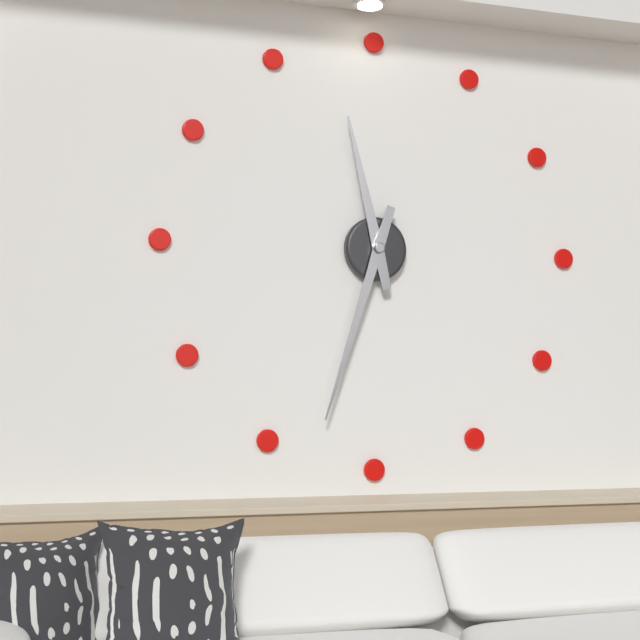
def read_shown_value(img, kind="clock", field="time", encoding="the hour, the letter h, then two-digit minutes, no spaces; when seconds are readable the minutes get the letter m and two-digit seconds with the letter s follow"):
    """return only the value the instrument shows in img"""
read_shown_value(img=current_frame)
11h33
